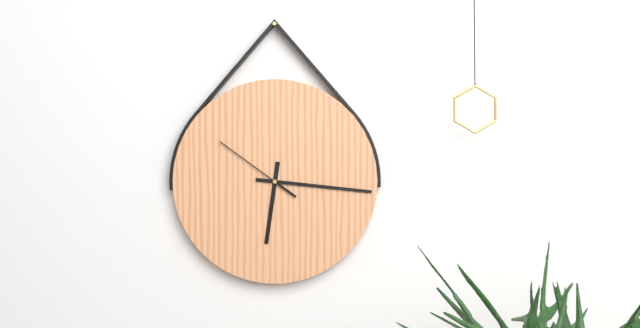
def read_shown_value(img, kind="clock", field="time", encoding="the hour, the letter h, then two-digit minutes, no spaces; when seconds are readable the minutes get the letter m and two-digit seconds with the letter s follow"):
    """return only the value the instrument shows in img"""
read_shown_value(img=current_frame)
6h16m51s
